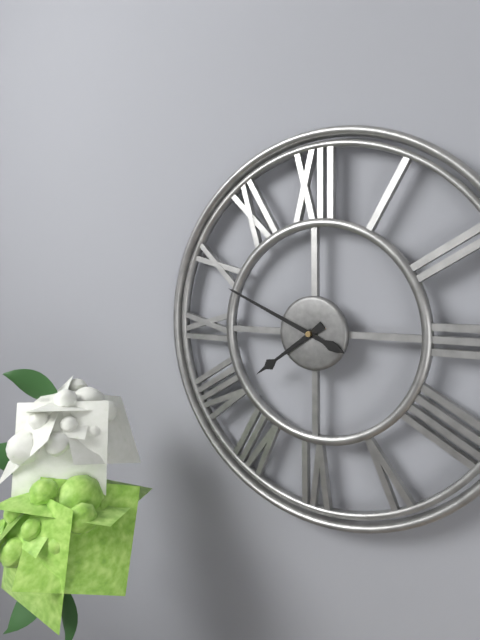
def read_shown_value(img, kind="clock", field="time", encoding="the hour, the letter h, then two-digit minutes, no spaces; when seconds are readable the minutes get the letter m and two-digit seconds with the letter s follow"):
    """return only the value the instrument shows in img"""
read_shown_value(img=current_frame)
7h49
